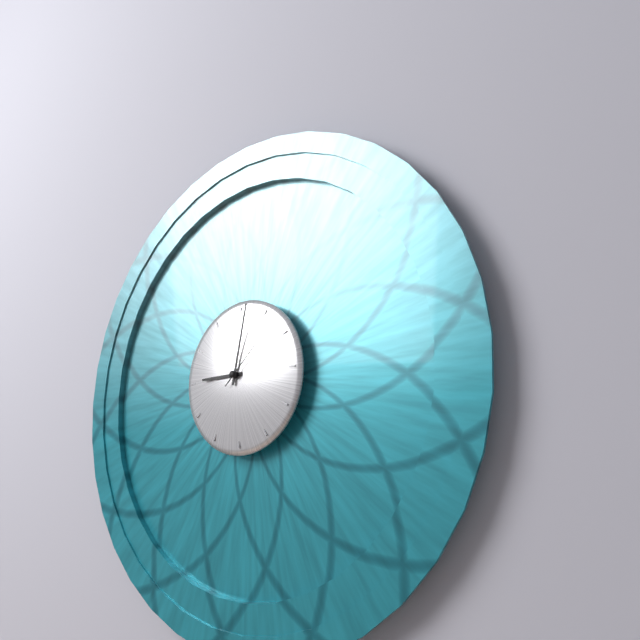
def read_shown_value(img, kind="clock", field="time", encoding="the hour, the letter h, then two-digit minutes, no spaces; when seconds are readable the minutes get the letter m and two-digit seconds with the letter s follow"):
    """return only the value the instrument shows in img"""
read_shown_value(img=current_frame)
9h02m08s
